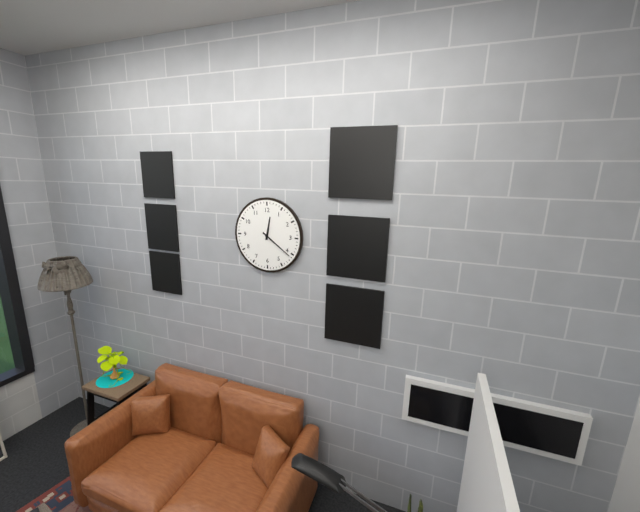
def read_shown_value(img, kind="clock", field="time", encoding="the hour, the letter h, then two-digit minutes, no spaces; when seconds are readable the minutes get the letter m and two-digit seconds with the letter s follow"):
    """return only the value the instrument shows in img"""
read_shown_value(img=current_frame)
12h21
